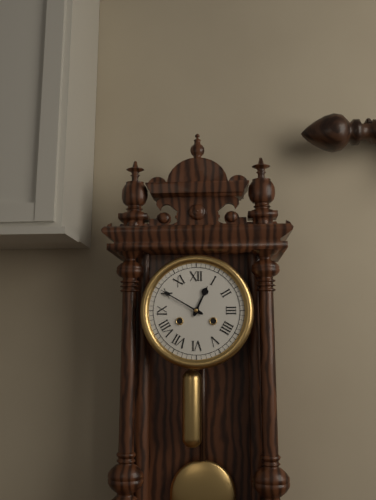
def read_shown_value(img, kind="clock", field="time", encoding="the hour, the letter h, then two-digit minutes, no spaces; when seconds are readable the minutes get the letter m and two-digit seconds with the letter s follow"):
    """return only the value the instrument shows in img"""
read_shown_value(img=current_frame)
12h50
